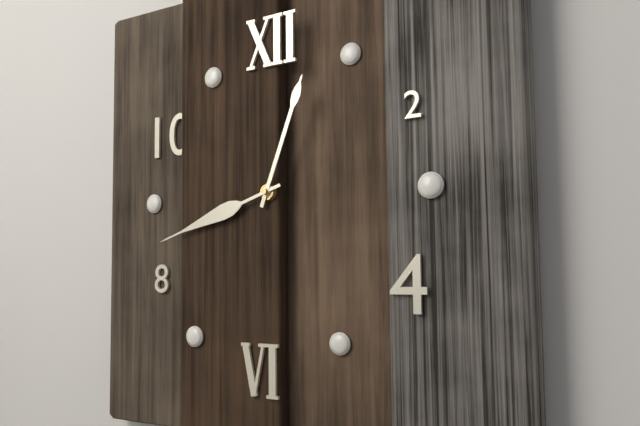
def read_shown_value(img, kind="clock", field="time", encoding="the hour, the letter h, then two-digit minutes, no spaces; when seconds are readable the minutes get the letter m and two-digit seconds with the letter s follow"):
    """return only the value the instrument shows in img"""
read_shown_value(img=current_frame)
12h42
